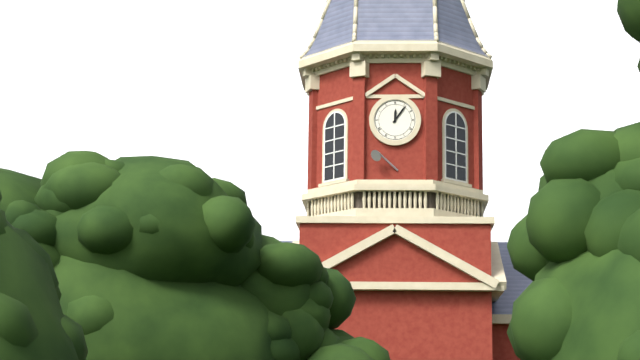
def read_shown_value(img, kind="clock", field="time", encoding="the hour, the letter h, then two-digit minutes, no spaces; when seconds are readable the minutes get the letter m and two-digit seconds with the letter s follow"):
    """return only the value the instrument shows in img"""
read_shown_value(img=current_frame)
12h06
